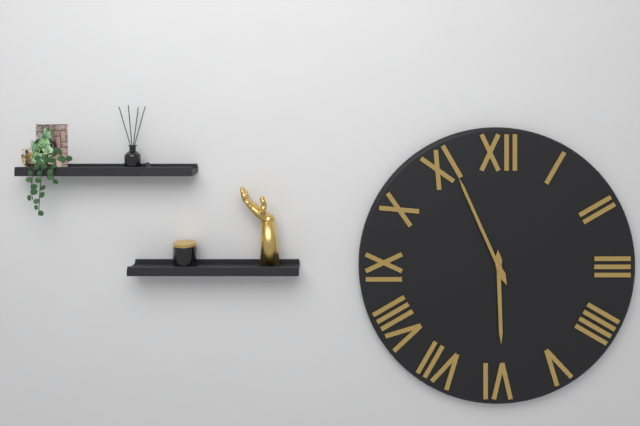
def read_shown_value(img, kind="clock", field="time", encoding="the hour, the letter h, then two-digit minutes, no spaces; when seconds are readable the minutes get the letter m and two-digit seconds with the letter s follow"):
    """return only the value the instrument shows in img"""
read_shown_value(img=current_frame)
5h56
